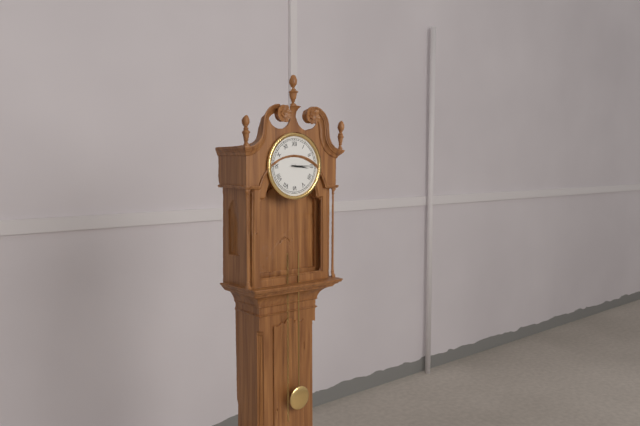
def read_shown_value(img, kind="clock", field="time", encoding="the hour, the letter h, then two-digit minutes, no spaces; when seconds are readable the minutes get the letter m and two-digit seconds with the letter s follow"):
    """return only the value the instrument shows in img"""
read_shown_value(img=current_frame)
3h15
